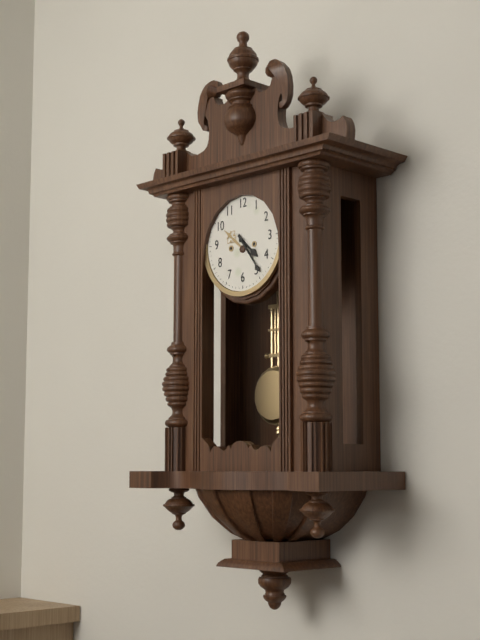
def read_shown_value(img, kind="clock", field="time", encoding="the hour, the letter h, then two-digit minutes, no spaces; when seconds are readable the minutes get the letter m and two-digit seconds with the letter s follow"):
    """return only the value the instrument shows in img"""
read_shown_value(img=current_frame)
4h24
